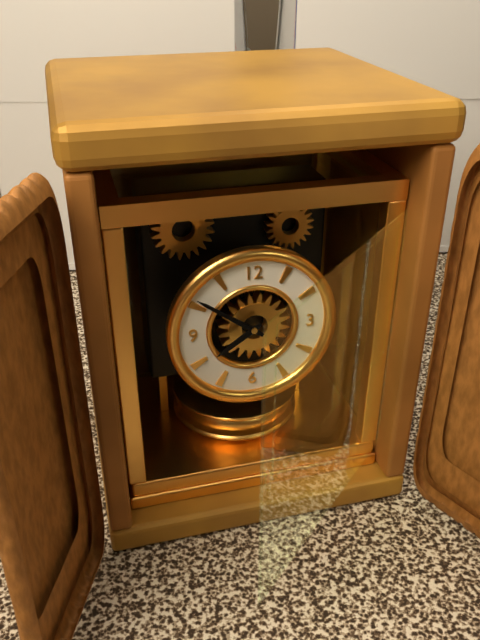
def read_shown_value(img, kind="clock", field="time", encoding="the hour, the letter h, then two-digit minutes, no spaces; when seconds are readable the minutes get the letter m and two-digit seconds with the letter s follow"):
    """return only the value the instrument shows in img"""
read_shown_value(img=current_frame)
7h51
